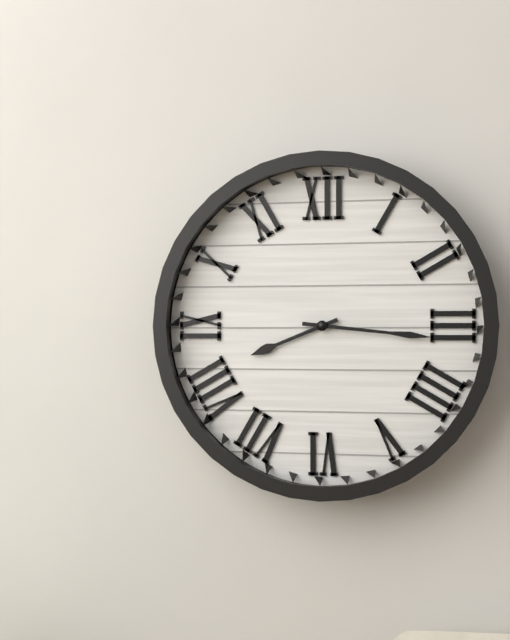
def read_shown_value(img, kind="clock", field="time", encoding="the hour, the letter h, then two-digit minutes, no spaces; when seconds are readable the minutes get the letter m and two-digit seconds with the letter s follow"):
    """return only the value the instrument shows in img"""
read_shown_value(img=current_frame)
8h16
